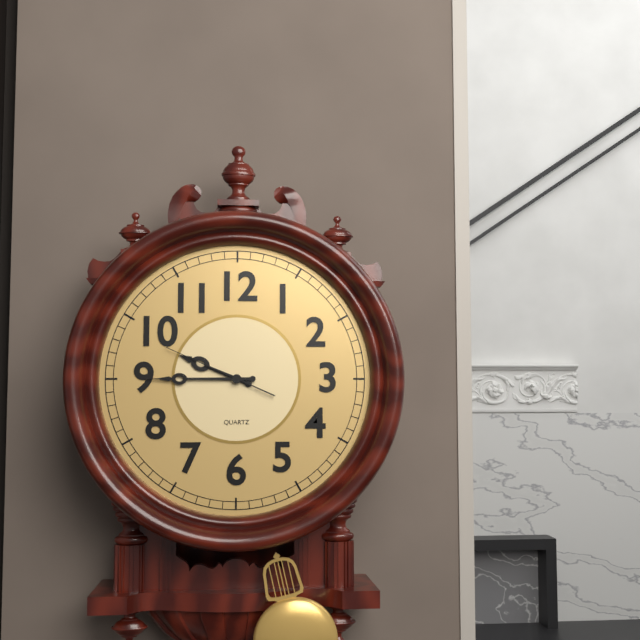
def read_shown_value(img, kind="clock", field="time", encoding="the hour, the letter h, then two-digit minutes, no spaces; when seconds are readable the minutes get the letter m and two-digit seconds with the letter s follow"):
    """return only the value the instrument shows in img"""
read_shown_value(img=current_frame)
9h45m49s
